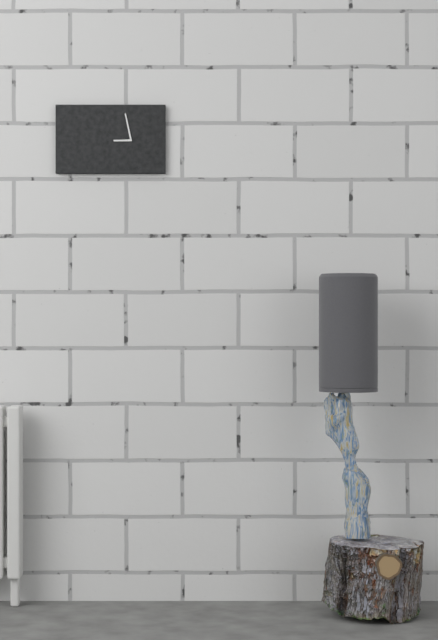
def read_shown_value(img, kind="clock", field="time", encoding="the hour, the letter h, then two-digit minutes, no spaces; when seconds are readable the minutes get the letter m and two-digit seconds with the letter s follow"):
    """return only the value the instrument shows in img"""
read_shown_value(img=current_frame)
8h58
